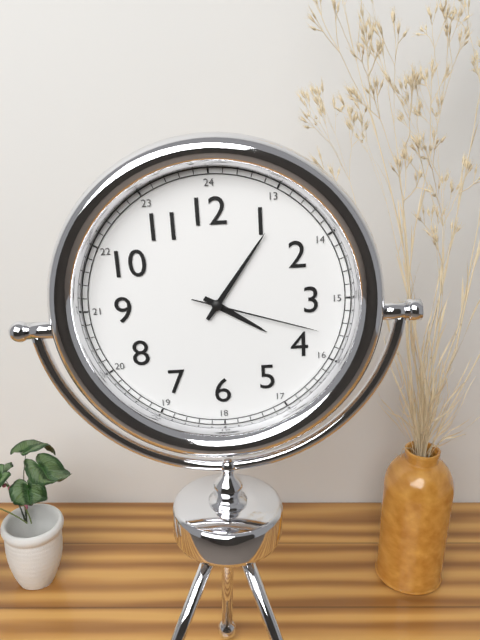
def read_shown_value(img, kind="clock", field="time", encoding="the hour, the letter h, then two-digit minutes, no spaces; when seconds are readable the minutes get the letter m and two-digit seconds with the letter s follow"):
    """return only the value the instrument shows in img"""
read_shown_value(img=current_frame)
4h06m18s
